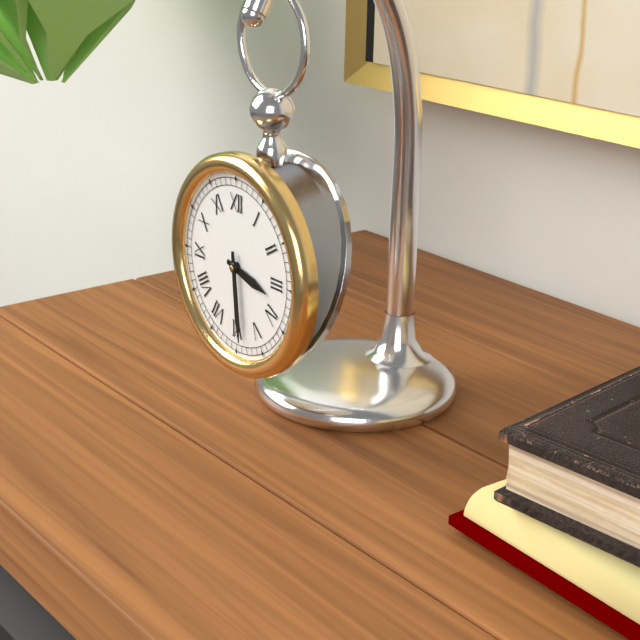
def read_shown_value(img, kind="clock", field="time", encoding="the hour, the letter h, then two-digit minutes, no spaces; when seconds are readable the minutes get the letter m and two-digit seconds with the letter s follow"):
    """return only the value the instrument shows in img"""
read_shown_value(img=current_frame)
3h29
